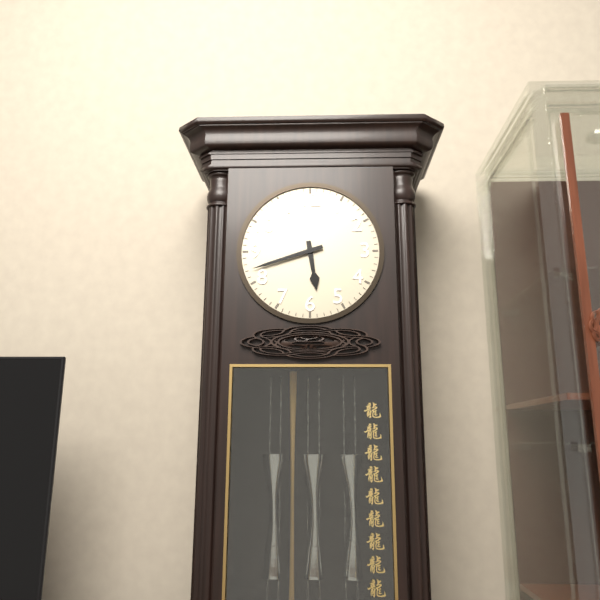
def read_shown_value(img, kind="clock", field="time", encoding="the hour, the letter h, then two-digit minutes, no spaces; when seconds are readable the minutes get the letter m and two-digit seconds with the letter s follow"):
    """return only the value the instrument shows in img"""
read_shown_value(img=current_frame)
5h42
